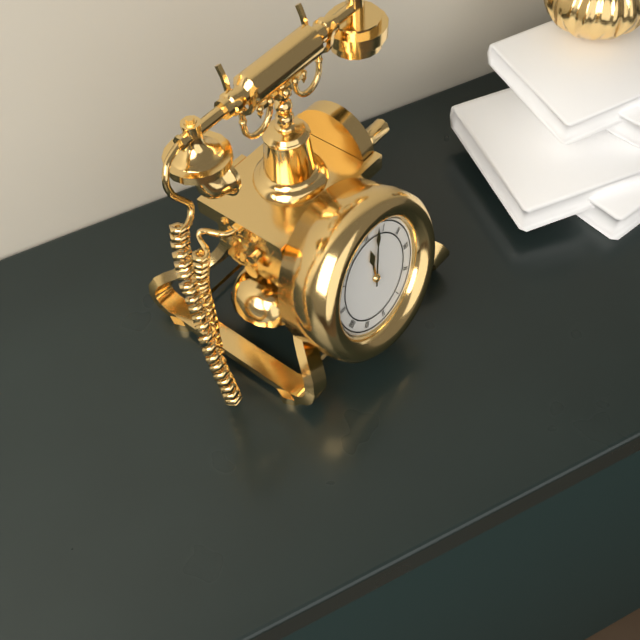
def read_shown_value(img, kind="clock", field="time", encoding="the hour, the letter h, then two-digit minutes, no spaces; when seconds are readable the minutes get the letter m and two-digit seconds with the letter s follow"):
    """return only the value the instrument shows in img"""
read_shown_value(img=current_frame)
12h03
